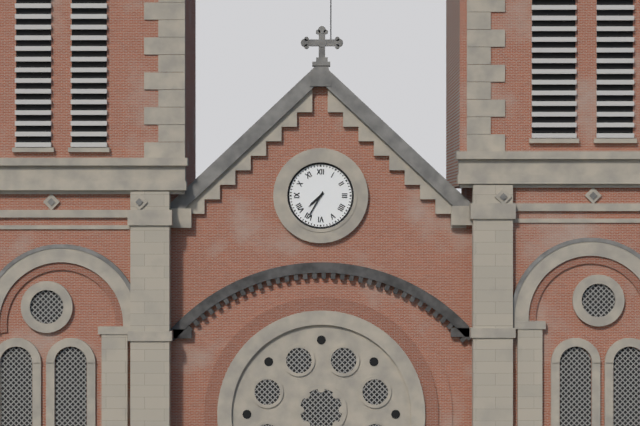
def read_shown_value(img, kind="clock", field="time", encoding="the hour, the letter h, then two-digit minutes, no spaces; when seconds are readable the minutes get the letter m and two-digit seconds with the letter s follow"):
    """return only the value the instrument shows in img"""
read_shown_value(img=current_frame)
7h35
